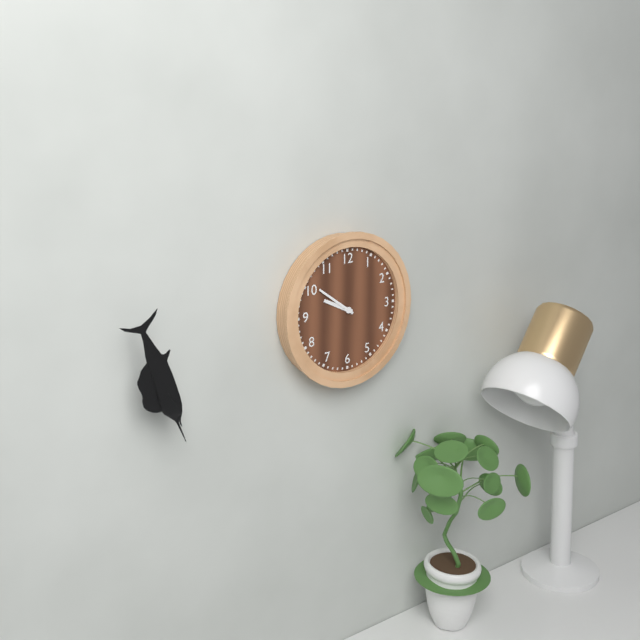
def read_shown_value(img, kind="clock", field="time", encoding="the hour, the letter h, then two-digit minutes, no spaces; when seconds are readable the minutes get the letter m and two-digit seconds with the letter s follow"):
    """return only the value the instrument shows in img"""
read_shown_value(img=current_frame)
9h51
